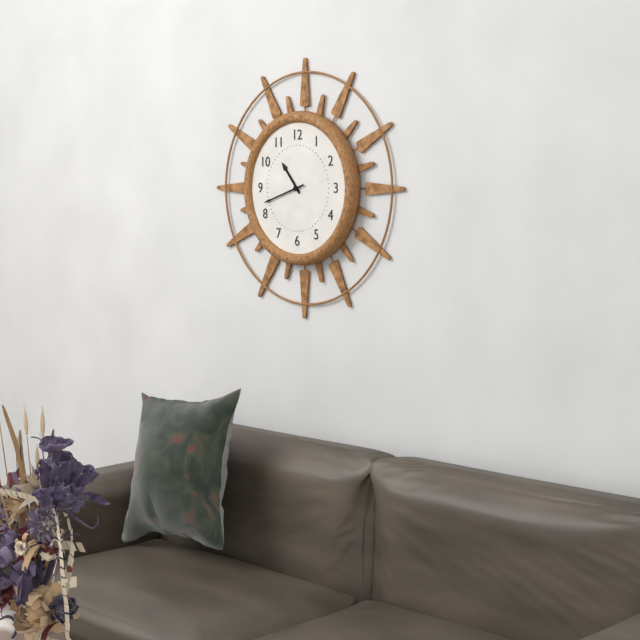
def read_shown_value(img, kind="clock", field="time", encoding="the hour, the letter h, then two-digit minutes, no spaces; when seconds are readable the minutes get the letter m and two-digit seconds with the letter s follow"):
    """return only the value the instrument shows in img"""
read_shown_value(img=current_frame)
10h42
